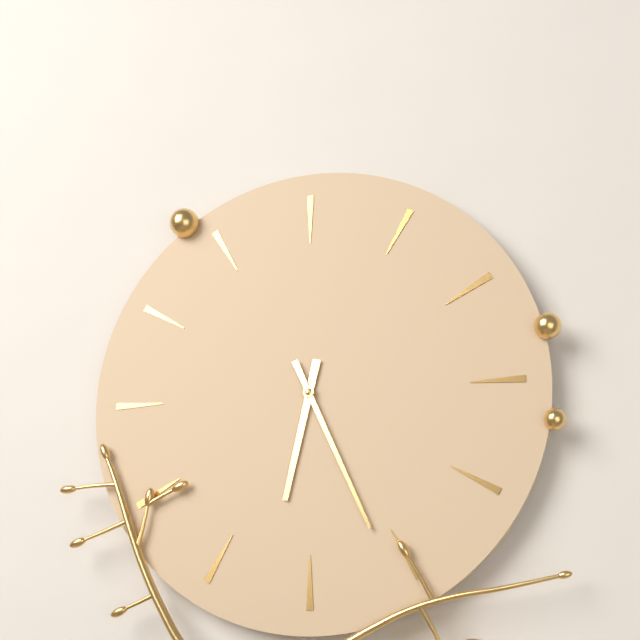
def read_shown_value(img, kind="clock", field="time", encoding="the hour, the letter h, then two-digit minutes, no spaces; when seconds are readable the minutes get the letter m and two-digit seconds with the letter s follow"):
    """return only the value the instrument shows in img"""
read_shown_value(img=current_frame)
6h26
